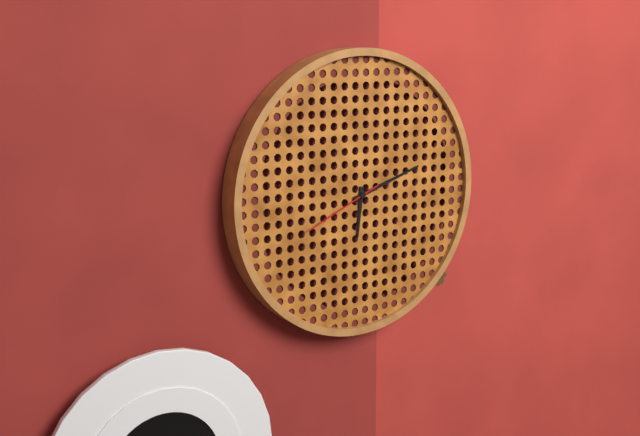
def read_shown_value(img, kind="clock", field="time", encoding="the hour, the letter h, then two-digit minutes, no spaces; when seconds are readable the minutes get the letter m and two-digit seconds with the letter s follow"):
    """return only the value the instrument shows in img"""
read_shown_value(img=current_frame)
6h12m41s
